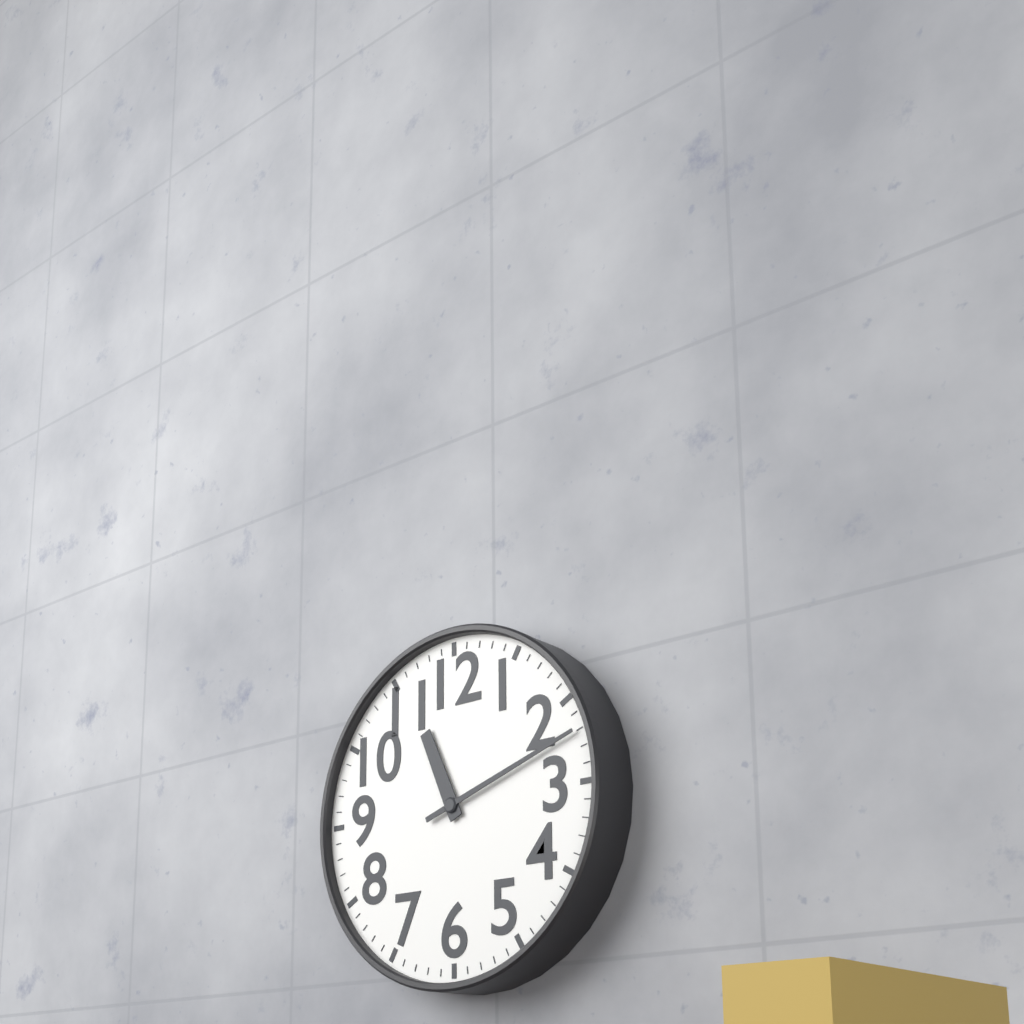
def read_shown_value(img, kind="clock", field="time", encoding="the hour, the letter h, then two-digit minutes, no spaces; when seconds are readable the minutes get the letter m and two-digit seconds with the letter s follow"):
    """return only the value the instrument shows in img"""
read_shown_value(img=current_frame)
11h12
